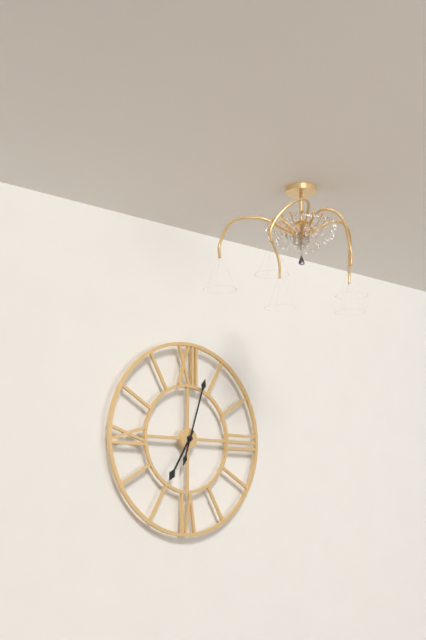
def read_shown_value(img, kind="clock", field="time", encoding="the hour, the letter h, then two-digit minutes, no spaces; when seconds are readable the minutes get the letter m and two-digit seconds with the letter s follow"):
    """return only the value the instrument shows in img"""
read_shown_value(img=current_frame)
7h03
